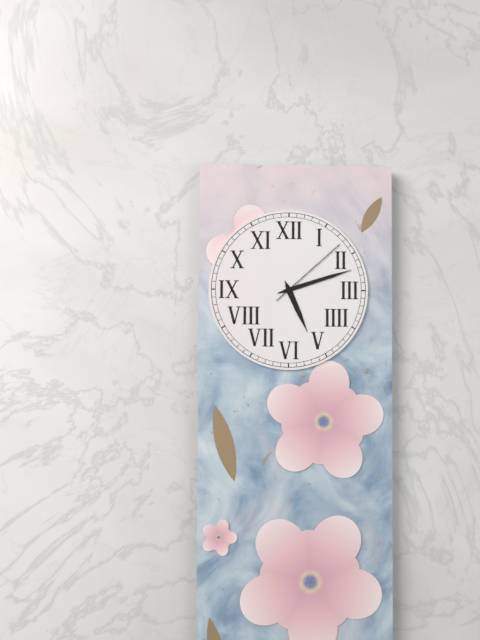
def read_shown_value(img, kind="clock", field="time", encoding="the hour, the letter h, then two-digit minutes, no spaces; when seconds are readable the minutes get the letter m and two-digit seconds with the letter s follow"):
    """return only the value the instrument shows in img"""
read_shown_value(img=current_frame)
5h12m08s
